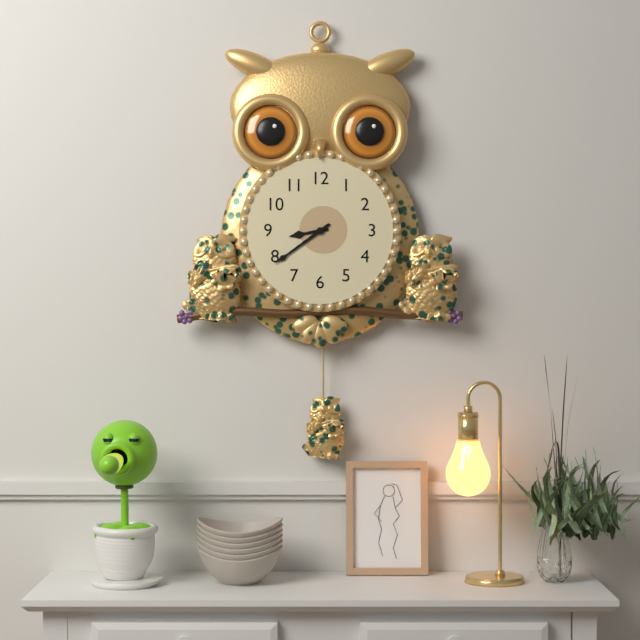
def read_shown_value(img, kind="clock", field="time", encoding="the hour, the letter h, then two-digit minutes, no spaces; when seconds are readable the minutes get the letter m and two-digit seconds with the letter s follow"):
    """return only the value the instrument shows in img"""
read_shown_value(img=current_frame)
8h39
